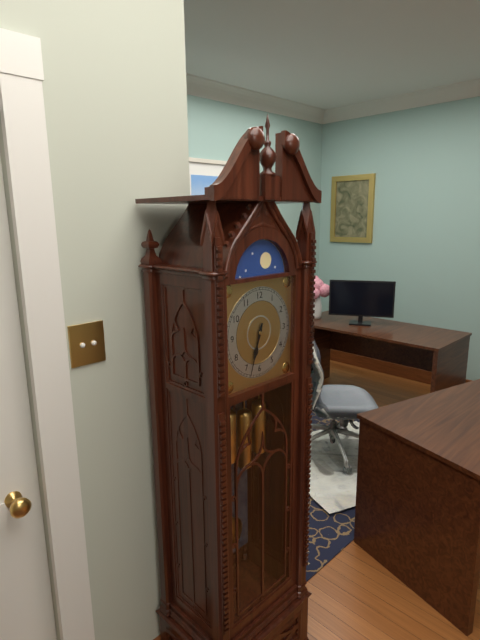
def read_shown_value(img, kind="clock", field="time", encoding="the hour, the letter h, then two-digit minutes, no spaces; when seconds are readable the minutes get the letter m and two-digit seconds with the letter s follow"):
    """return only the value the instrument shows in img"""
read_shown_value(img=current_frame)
6h33
